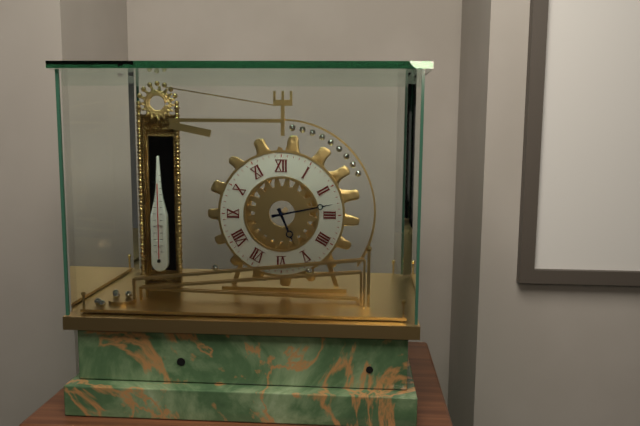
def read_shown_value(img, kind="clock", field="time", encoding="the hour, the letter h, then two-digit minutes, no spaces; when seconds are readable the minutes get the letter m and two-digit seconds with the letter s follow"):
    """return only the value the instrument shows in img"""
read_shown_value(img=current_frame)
5h13
